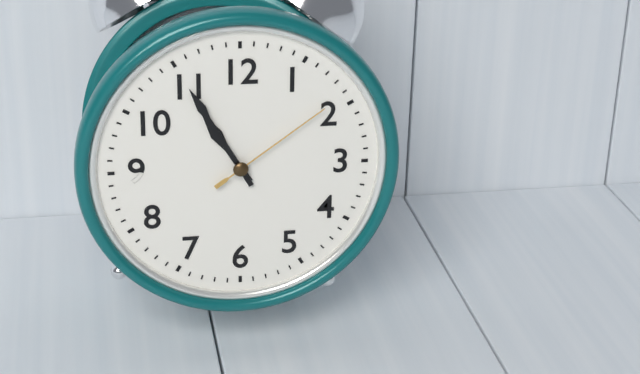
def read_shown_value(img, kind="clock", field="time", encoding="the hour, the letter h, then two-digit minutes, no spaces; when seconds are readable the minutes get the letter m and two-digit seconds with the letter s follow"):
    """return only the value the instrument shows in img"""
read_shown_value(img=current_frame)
10h55m09s
